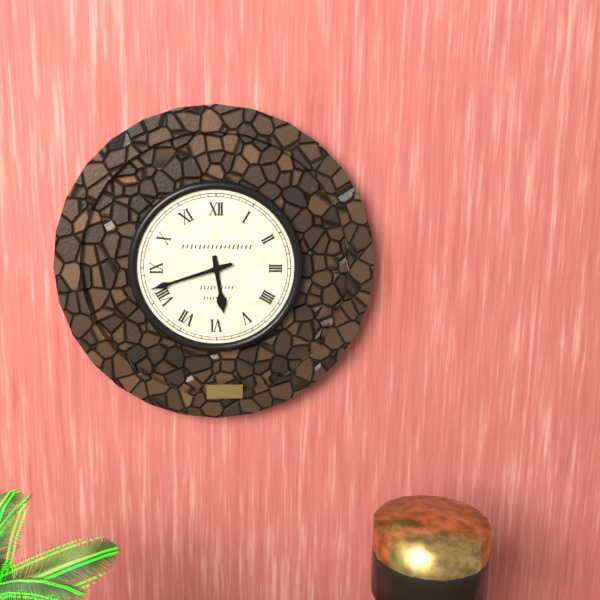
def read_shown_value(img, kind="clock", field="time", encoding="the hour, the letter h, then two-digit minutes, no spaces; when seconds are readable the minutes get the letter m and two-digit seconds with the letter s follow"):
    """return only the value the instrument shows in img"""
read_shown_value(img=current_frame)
5h42
